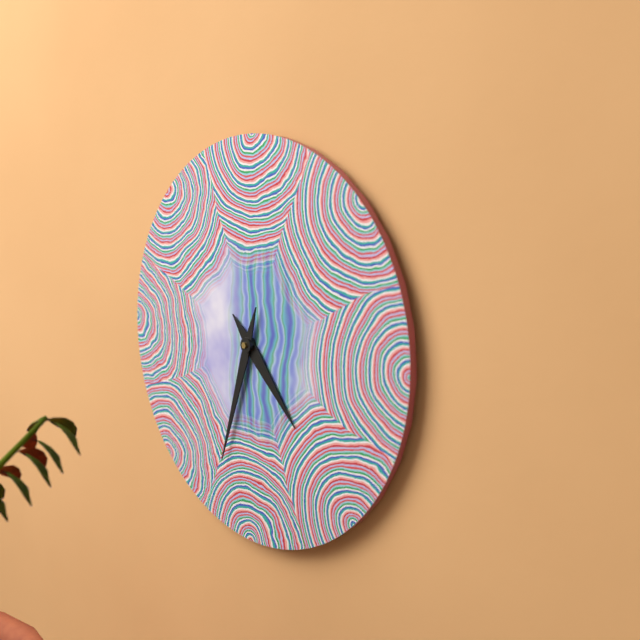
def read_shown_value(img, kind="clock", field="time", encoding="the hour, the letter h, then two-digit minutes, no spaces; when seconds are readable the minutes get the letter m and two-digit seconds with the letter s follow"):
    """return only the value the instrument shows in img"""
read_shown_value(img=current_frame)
4h33
